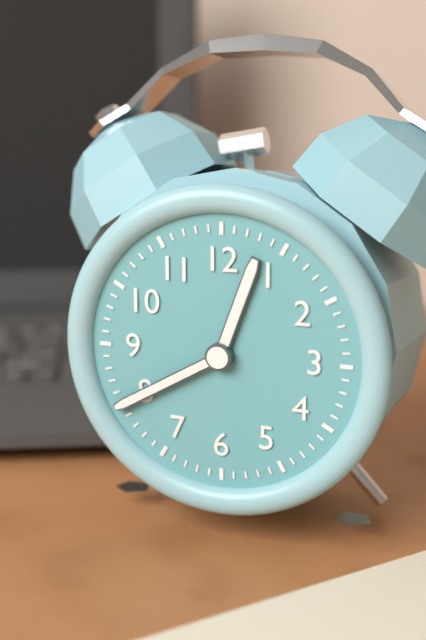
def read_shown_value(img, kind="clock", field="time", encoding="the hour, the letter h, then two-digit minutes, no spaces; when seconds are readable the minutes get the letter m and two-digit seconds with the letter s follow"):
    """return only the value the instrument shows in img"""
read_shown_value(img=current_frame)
12h40
